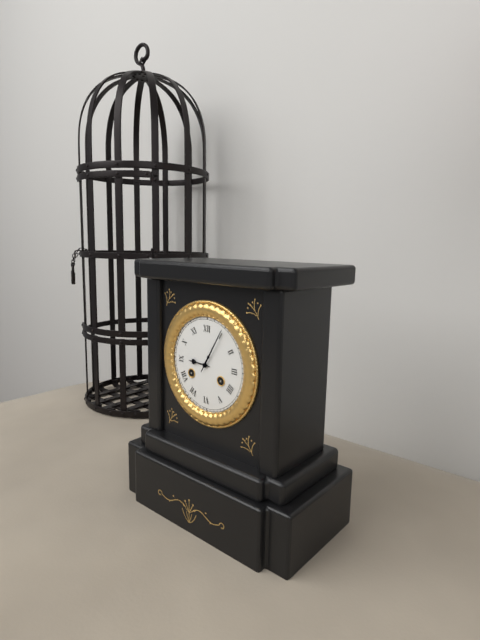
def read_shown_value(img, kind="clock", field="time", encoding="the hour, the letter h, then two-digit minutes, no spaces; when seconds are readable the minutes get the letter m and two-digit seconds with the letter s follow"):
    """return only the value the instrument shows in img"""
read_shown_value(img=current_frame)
9h05
